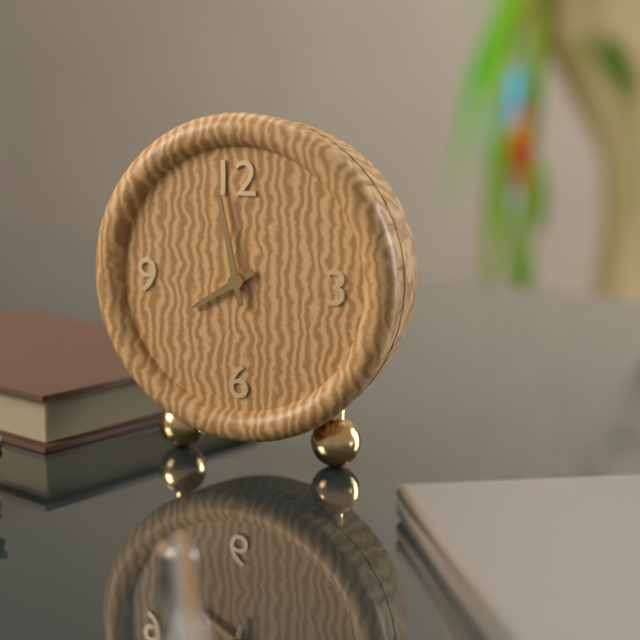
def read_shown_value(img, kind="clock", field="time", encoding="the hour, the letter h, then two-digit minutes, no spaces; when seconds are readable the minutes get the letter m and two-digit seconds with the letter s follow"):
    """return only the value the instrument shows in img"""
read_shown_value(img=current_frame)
7h58
